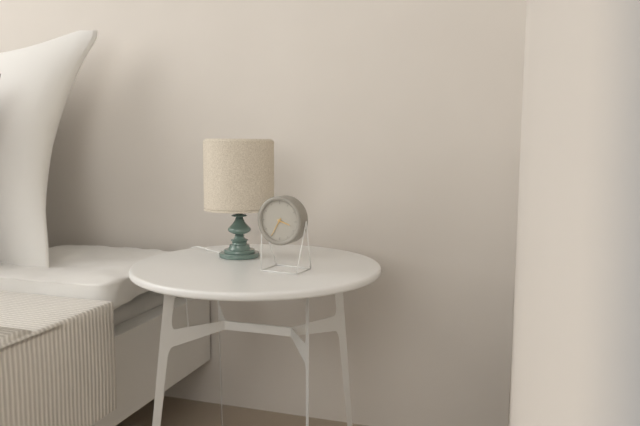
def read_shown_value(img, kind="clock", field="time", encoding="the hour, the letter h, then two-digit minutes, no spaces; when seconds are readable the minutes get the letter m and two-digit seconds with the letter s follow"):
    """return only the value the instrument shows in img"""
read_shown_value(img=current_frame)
3h35
